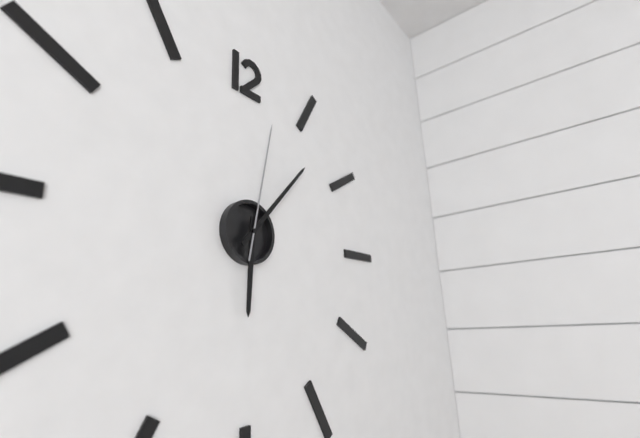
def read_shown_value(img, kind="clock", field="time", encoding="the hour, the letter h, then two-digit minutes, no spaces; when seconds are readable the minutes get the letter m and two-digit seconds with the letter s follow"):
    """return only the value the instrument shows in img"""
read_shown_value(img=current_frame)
6h07m02s
